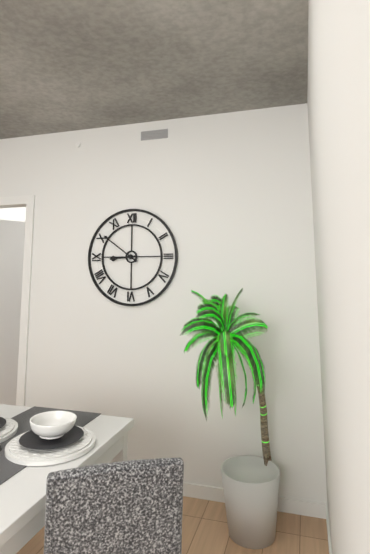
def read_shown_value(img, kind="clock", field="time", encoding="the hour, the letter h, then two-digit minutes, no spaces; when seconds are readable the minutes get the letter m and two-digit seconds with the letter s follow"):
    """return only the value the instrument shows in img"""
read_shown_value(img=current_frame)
8h51
